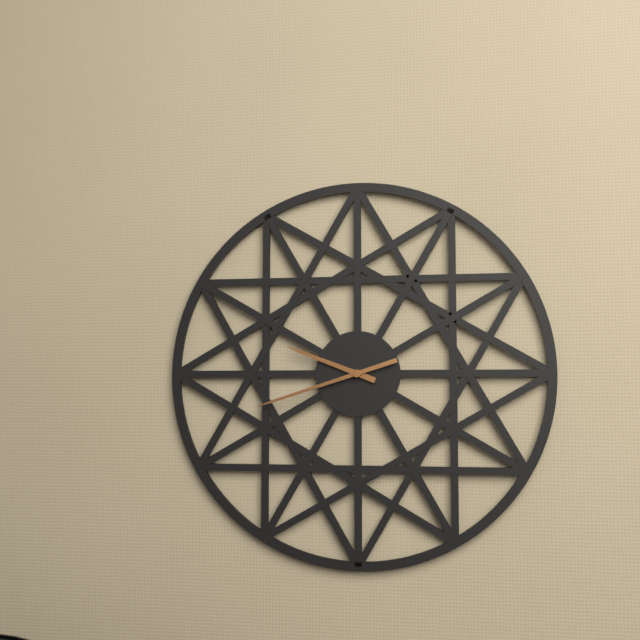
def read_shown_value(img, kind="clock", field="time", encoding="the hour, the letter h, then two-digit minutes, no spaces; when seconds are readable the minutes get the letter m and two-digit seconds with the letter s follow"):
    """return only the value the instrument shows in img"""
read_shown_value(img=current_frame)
9h42
